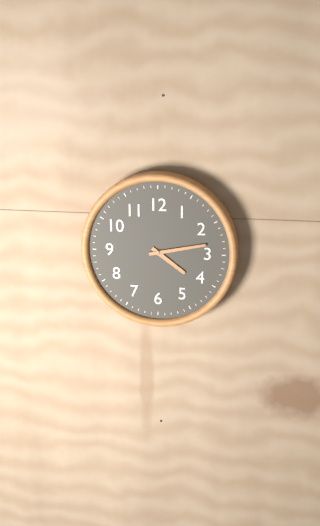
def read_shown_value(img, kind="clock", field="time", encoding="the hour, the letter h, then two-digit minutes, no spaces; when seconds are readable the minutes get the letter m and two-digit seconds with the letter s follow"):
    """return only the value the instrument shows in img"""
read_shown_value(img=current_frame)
4h13
